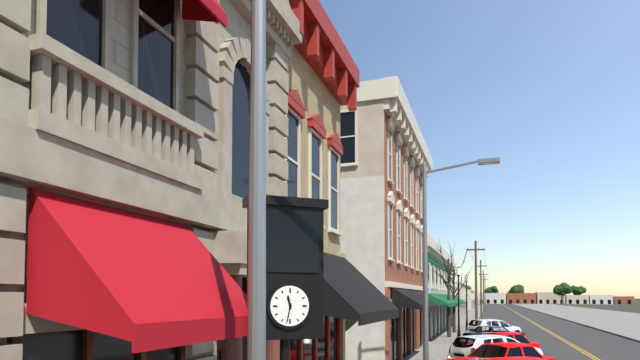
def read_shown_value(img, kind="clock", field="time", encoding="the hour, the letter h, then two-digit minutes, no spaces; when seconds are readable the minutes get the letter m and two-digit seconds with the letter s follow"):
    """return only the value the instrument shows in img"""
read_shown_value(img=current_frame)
11h32
